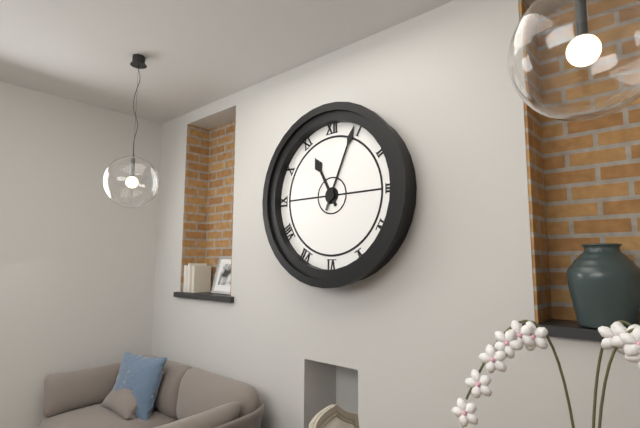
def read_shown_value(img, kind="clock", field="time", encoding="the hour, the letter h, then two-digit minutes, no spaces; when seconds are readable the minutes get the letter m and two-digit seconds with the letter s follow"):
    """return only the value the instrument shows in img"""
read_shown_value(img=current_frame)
11h04
